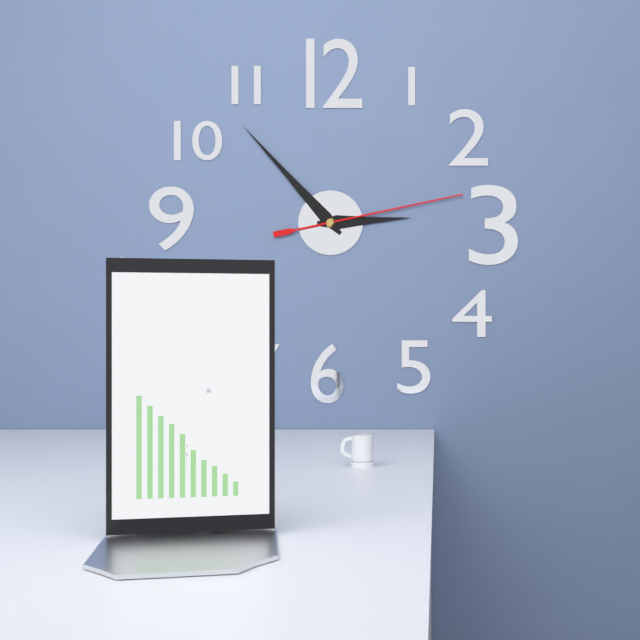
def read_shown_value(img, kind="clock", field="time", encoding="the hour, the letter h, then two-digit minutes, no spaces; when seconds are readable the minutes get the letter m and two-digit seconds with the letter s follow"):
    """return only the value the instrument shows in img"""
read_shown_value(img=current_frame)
2h53m13s
